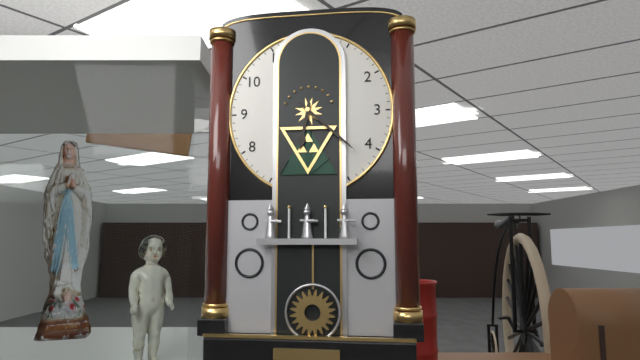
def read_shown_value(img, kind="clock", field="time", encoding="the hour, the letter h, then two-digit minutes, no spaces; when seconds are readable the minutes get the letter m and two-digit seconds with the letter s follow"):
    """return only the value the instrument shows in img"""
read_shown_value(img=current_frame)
6h22
